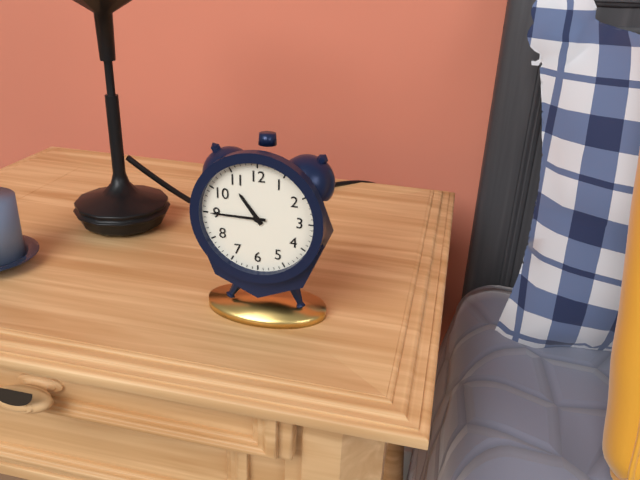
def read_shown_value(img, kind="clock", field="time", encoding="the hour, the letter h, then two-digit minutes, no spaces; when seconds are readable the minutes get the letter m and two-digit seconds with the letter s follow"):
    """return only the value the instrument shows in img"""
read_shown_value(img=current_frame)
10h45
